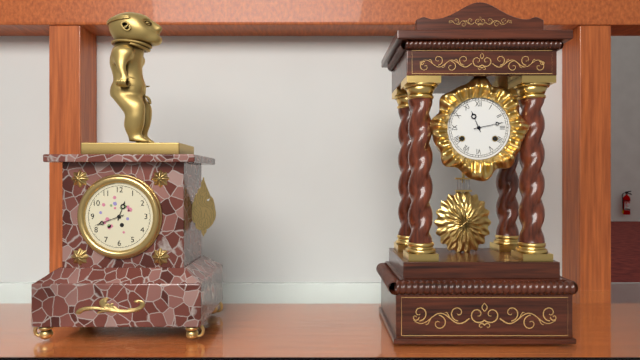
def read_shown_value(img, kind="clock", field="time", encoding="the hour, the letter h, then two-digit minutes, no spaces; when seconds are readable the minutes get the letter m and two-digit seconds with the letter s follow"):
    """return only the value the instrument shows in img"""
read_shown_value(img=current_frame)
11h13
